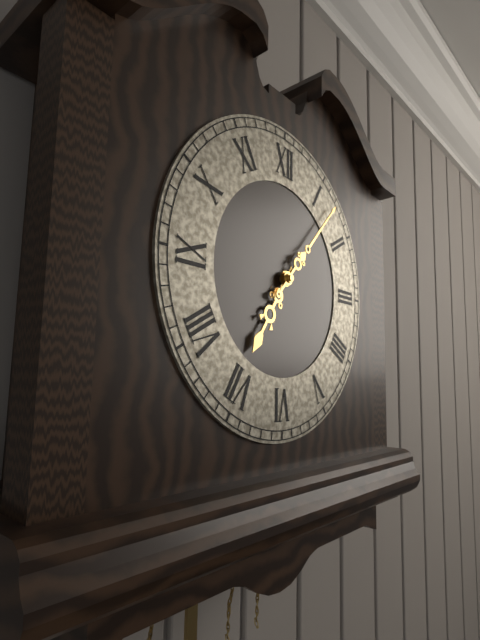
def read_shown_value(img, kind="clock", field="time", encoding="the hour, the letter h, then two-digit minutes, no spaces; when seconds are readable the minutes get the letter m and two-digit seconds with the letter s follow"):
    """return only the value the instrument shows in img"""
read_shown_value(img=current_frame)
7h07
